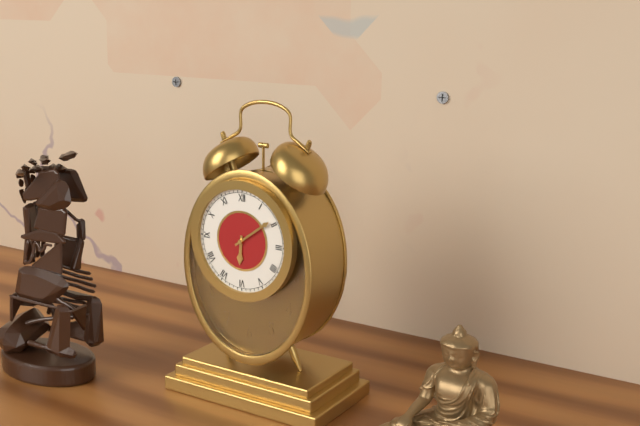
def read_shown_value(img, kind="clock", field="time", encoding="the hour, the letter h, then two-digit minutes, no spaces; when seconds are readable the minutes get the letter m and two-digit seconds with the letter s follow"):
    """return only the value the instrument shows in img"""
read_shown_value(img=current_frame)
6h09
